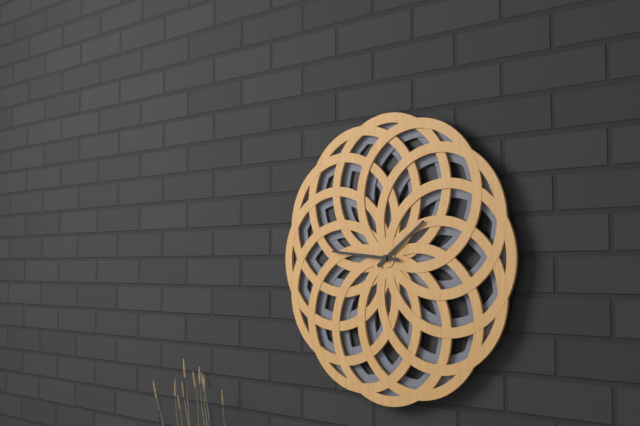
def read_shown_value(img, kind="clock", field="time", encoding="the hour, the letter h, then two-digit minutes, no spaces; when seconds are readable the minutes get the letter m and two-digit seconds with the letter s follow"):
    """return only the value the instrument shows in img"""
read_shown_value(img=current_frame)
1h46
